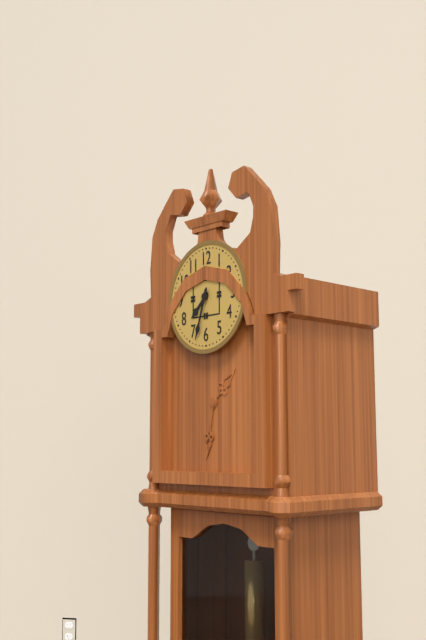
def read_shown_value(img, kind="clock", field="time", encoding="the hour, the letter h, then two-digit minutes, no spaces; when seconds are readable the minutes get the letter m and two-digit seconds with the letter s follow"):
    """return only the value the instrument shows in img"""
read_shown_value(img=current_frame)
7h33
